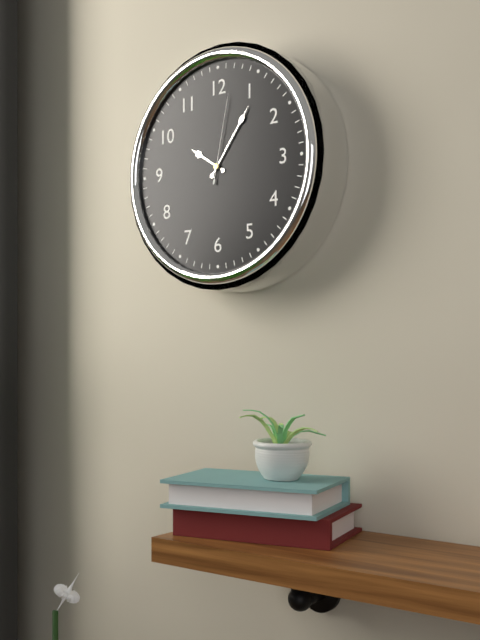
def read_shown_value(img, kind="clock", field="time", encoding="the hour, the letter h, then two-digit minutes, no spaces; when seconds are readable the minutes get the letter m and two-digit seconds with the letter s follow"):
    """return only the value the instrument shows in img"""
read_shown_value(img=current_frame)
10h06m02s
